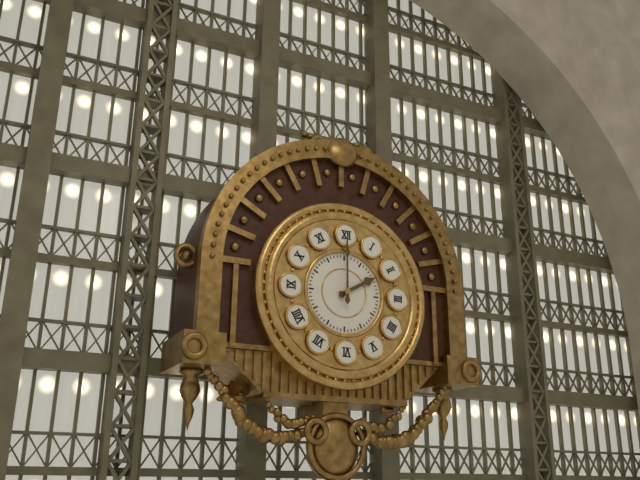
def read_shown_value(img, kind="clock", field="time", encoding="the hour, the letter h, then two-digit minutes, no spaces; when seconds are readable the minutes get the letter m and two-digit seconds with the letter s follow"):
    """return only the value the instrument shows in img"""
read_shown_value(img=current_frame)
2h00
